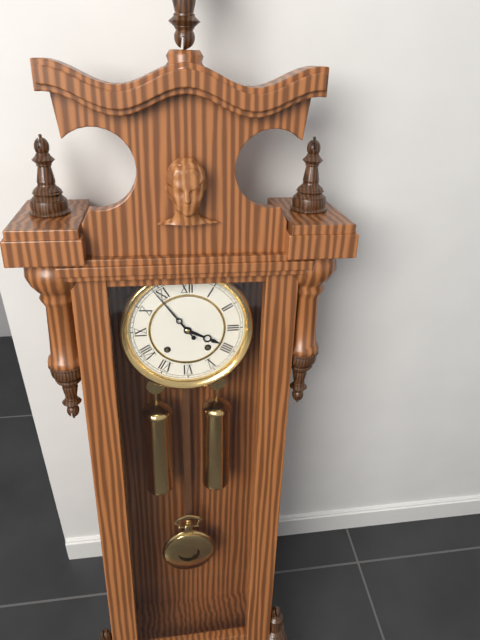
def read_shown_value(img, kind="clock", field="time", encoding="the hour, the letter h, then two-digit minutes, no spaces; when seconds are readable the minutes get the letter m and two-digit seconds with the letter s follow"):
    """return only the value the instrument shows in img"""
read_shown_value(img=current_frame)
3h54
